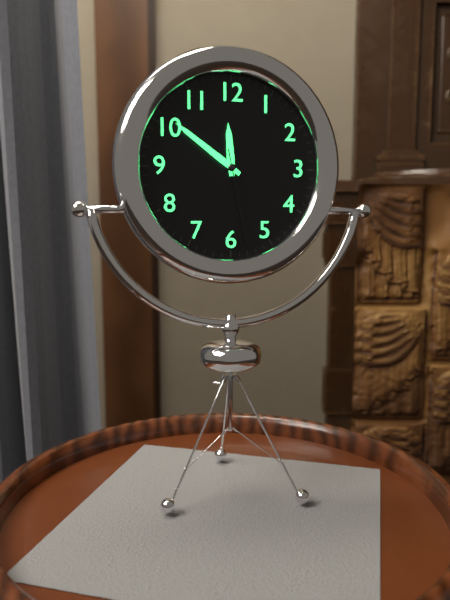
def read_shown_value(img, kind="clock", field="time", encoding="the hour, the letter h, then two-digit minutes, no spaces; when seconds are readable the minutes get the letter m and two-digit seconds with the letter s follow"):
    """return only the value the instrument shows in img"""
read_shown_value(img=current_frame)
11h51m28s
